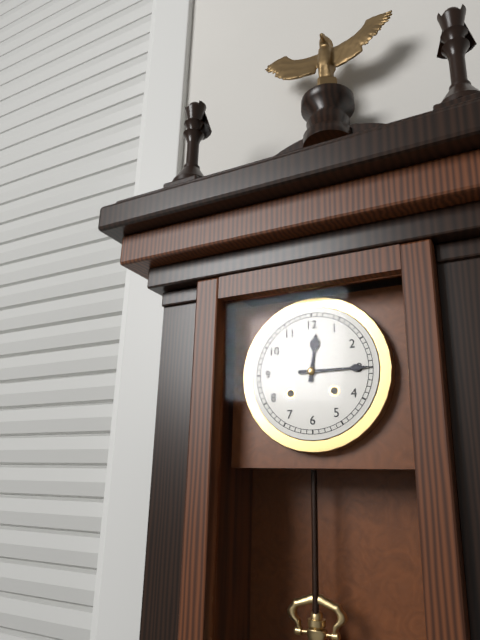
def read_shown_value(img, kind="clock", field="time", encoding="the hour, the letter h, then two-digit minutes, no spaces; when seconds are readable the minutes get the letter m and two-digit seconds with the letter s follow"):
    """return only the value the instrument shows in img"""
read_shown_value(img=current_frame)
12h15
